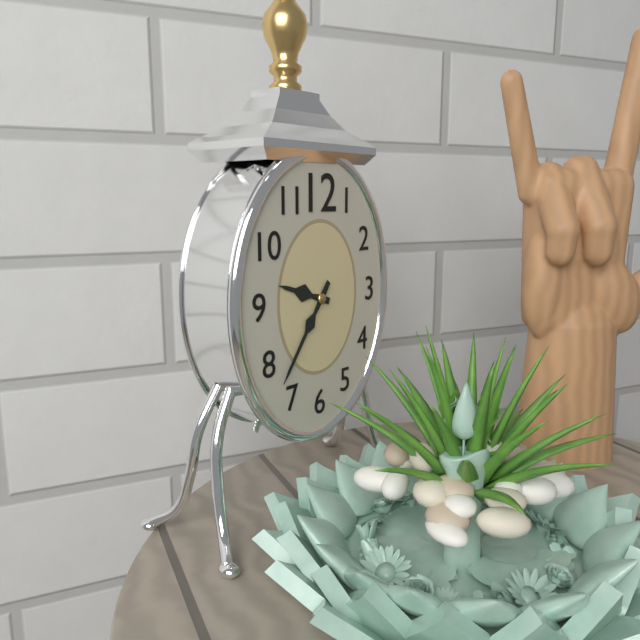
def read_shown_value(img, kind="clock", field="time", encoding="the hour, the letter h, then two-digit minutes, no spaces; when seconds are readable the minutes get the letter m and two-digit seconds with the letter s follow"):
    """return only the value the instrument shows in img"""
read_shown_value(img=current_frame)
9h36
